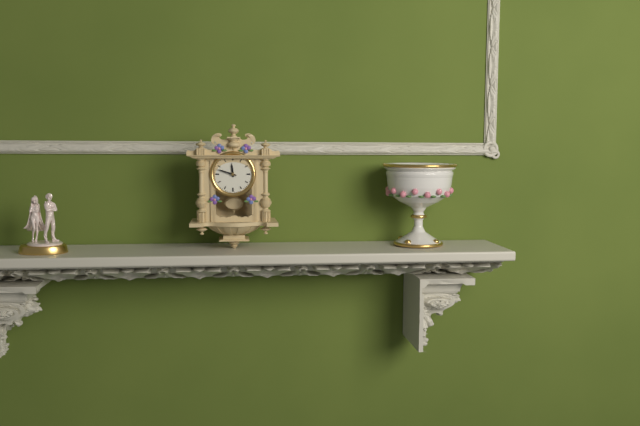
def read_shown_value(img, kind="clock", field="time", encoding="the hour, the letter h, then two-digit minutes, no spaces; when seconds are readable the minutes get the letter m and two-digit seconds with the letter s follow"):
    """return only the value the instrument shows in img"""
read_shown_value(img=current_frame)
11h48
